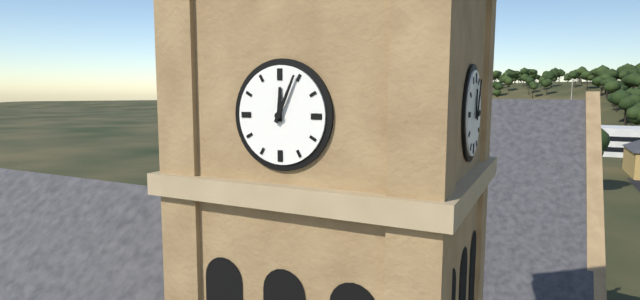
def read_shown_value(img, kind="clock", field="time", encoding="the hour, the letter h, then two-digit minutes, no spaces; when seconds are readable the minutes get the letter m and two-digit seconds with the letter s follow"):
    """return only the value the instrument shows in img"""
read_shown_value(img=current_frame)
12h04
